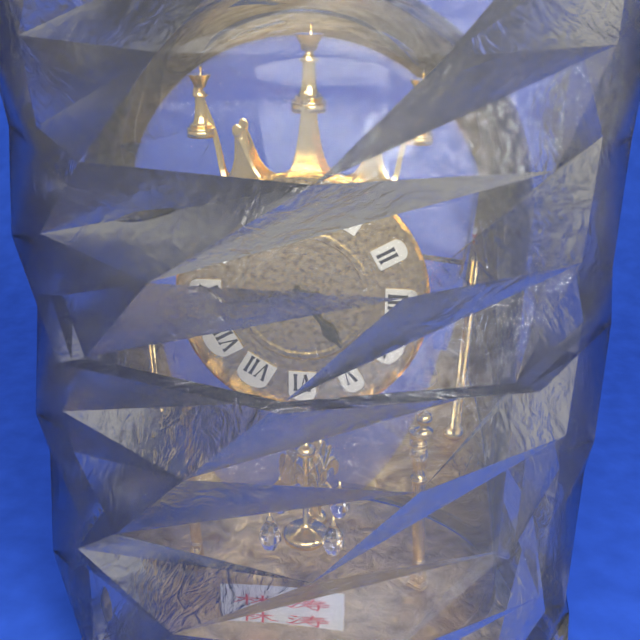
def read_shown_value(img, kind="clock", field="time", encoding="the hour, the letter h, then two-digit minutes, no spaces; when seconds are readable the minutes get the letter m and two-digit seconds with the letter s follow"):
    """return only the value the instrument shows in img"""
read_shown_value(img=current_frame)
4h44
